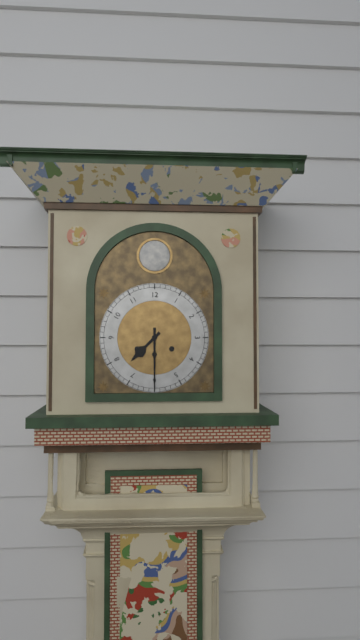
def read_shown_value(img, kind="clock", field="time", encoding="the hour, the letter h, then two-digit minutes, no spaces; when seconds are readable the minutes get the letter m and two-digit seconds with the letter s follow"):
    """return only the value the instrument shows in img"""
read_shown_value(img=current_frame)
7h30
